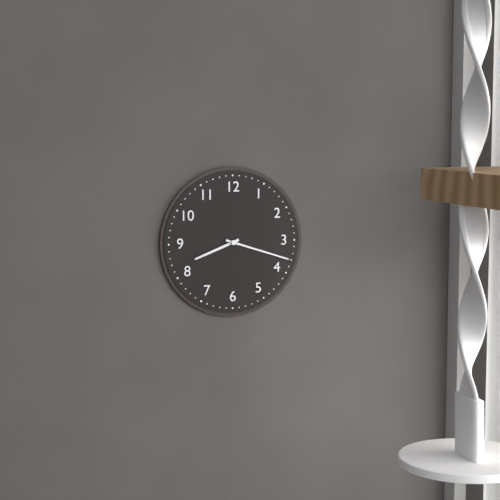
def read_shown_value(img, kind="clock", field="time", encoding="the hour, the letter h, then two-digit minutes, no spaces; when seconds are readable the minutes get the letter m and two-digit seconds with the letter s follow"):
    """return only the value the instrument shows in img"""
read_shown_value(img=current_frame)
8h18
